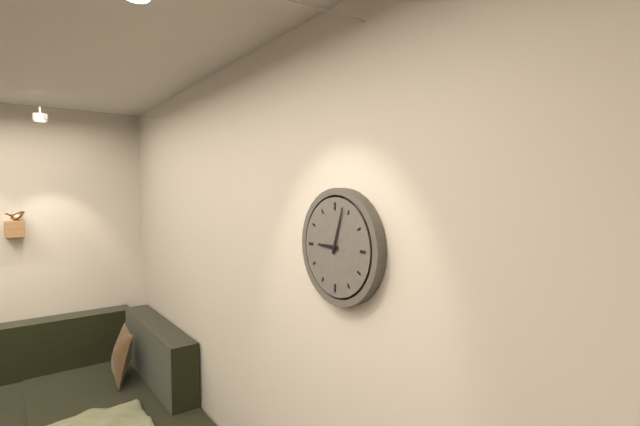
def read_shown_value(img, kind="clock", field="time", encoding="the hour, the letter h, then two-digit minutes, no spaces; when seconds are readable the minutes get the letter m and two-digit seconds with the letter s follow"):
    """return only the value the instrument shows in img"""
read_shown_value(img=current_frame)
9h03
